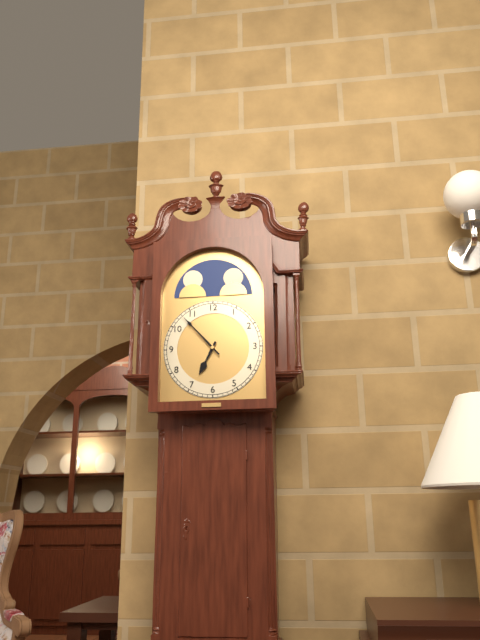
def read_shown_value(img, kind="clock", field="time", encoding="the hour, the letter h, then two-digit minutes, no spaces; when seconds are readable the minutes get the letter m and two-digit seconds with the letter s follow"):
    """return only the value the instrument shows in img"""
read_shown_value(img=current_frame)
6h53
